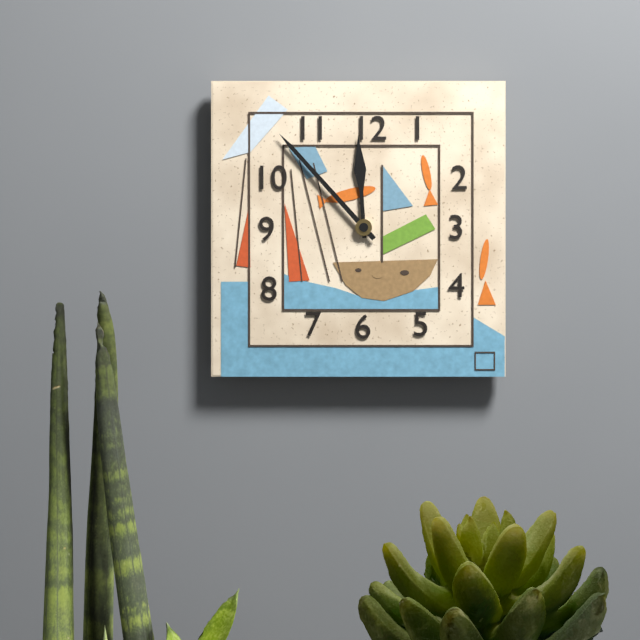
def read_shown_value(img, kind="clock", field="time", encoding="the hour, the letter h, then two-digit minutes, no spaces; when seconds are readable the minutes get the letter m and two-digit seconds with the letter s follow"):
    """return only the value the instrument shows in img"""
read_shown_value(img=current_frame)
11h53
